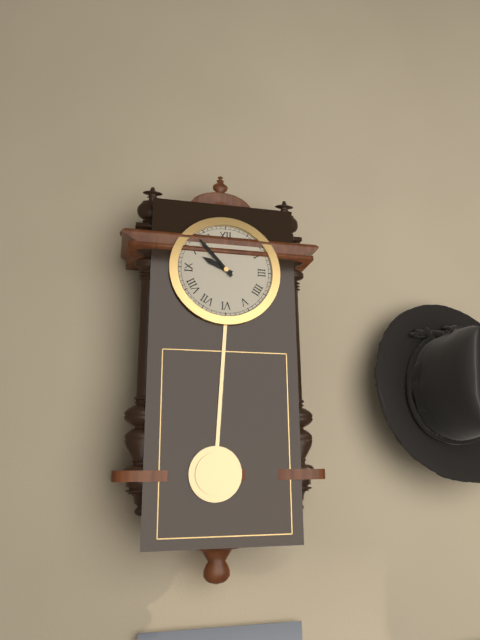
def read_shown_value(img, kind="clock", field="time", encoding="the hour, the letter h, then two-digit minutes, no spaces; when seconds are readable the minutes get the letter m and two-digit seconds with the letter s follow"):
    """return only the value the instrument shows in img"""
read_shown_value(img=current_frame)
9h53
